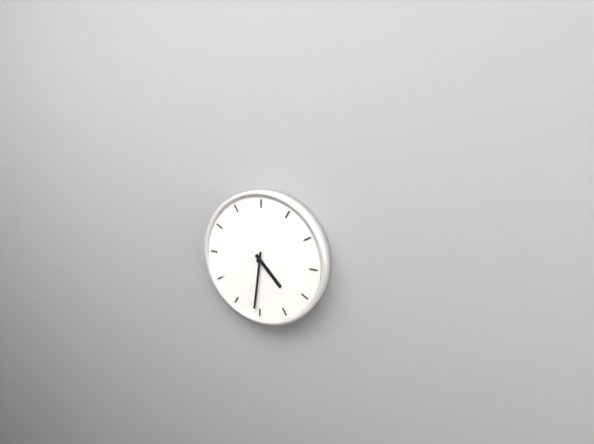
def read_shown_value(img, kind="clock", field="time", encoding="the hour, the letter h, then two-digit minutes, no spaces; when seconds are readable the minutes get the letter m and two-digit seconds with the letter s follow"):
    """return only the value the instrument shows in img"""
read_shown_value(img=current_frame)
4h31
